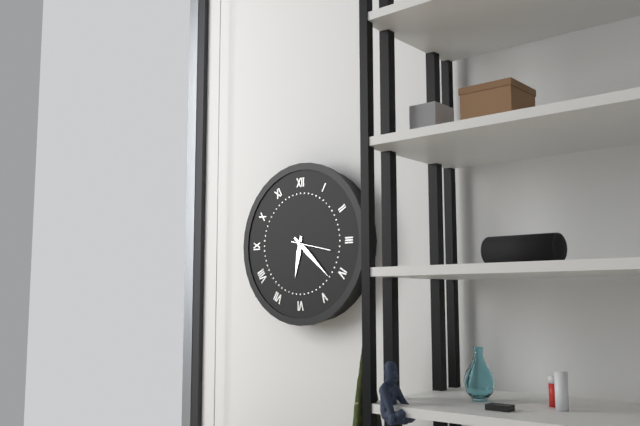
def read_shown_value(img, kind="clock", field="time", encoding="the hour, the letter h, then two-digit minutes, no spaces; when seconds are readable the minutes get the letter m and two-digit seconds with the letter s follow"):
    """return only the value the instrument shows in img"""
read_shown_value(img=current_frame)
6h22
